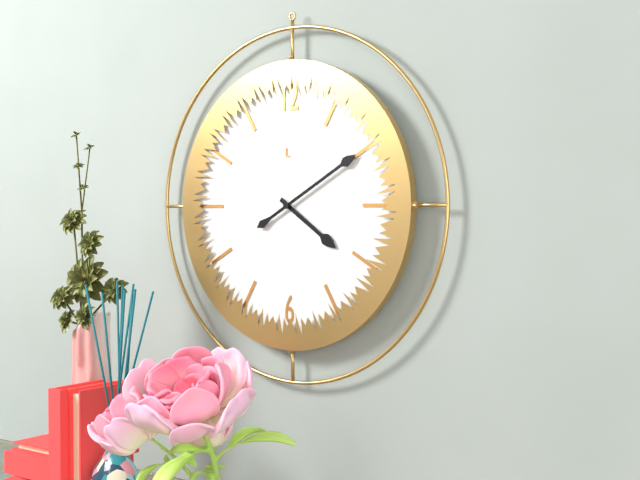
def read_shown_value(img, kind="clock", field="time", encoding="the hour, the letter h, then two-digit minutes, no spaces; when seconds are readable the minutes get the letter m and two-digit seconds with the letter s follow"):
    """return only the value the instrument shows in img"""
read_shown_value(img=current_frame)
4h10
